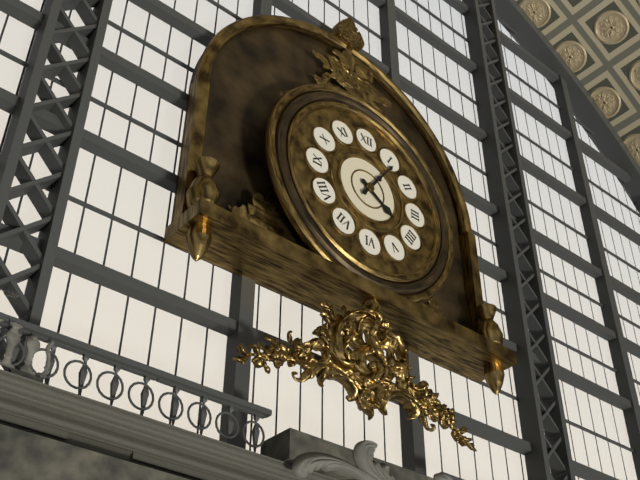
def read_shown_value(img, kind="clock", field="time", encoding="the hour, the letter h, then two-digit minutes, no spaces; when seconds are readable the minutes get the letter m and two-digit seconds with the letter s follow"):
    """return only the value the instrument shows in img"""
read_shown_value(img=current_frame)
4h06
